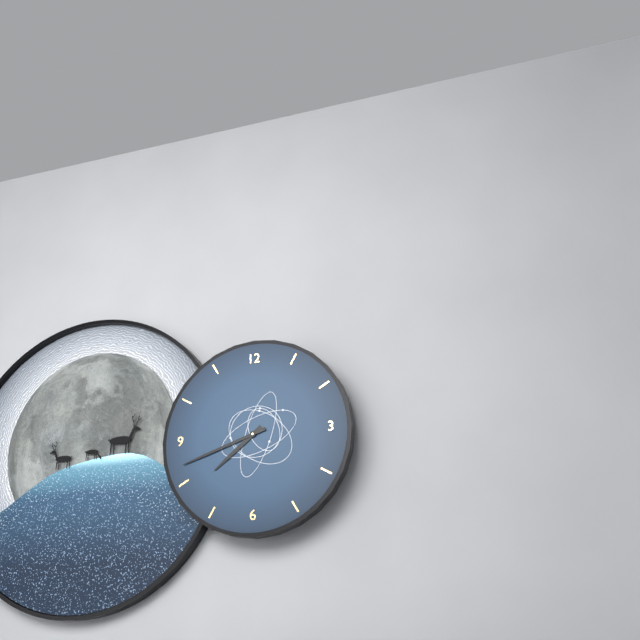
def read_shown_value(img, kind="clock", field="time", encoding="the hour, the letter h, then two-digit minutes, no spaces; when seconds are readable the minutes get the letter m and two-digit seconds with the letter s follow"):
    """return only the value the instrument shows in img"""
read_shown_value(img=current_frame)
7h42
